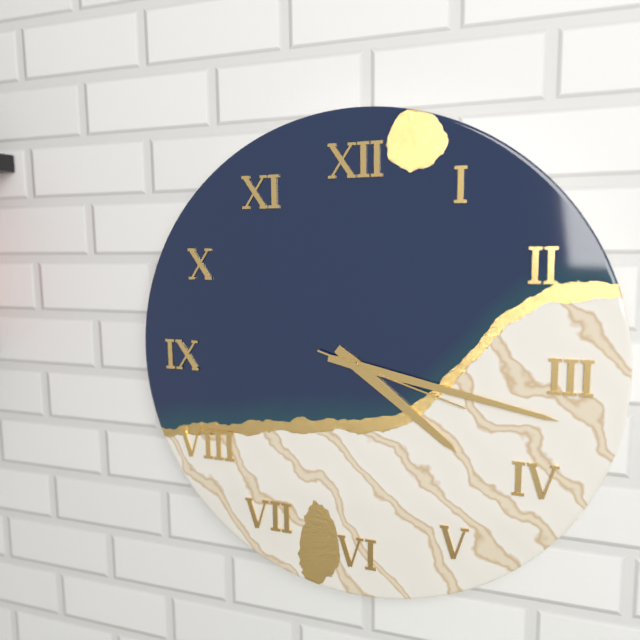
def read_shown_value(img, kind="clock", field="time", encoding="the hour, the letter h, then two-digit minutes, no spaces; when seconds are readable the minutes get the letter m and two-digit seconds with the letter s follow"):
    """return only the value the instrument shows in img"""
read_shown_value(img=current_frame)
4h17m18s
